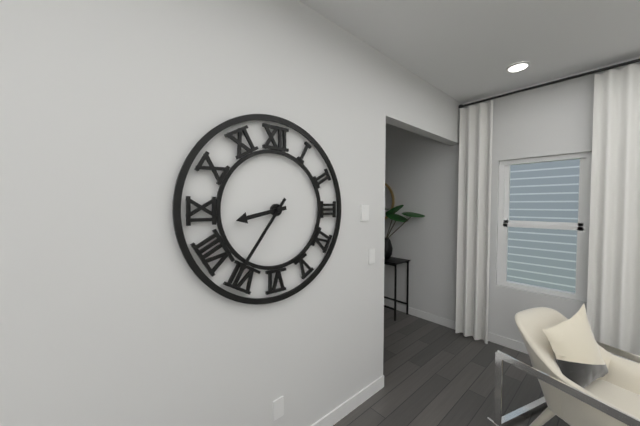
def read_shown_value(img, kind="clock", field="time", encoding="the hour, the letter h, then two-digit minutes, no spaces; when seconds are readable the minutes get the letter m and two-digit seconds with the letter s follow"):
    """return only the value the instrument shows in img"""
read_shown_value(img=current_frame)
8h36
